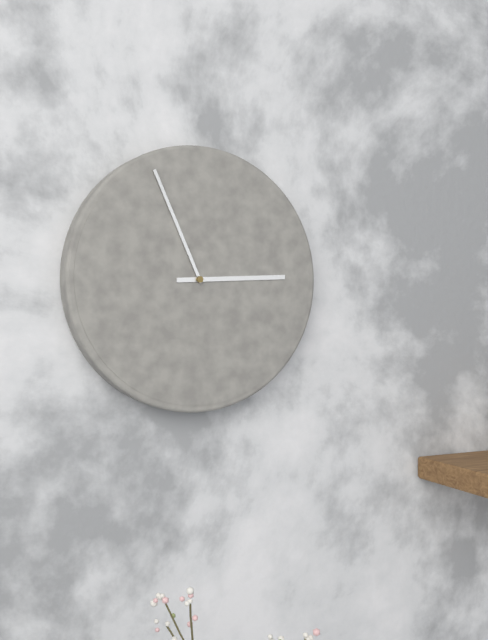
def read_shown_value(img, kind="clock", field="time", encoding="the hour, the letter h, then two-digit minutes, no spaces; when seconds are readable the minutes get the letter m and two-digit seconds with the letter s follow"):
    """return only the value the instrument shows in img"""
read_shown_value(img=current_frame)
2h56
